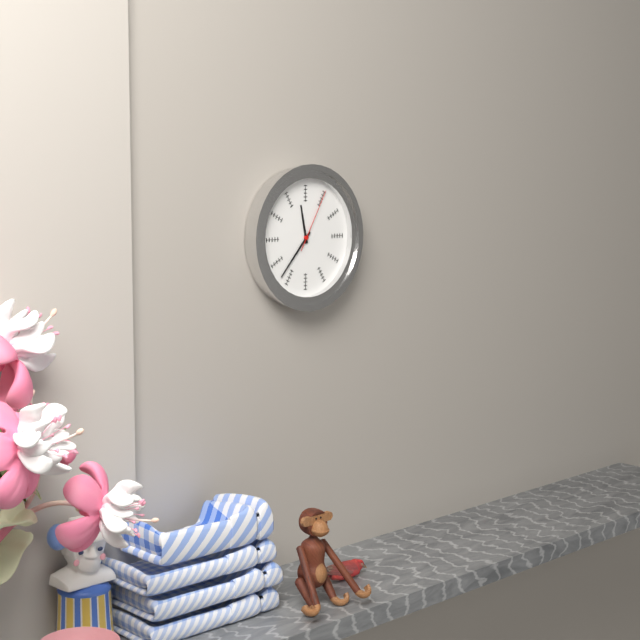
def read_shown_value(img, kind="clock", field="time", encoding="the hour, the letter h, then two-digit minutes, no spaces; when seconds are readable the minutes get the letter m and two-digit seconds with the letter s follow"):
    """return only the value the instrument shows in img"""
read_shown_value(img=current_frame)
11h37m05s
